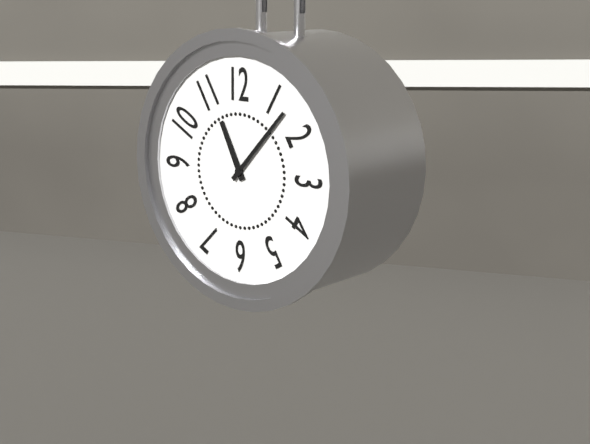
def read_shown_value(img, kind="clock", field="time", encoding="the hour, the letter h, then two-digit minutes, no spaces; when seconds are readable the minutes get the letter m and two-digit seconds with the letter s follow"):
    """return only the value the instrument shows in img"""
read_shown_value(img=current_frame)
11h07
